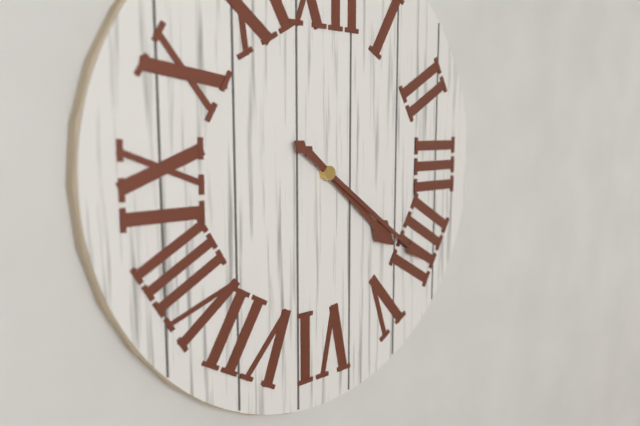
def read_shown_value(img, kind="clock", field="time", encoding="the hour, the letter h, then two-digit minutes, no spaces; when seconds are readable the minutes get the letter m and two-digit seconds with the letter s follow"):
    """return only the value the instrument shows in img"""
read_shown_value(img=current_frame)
4h21
